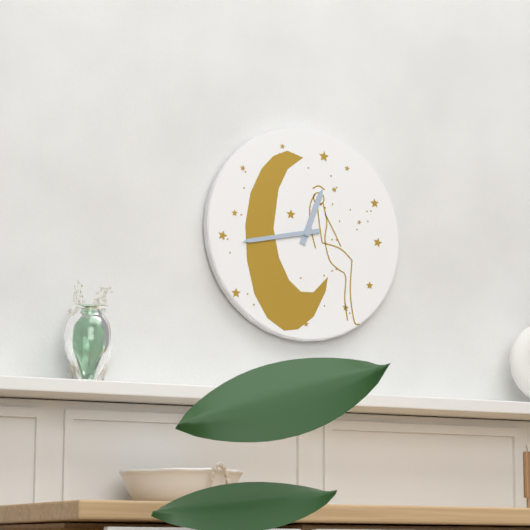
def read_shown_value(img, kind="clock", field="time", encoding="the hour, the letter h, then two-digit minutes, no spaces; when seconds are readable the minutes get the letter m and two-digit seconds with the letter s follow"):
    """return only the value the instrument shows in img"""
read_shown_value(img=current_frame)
12h43
